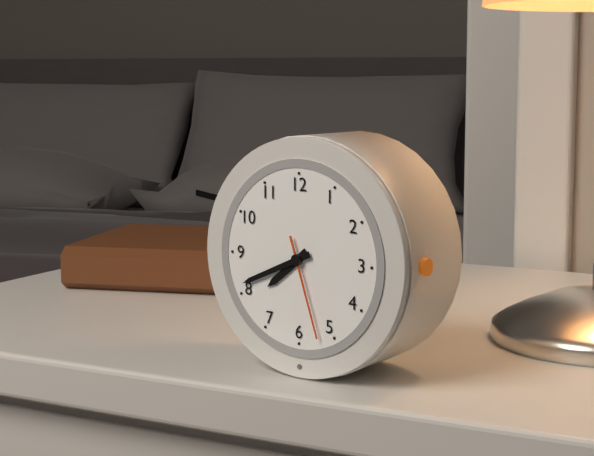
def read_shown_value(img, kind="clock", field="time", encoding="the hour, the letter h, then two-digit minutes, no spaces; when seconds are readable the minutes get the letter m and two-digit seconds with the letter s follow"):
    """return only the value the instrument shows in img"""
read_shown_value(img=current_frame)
7h41m27s
